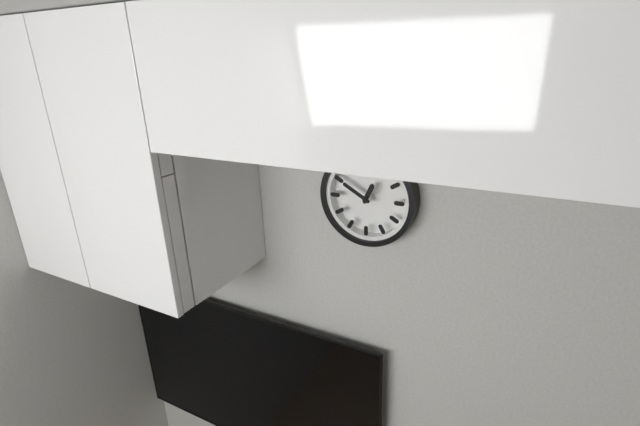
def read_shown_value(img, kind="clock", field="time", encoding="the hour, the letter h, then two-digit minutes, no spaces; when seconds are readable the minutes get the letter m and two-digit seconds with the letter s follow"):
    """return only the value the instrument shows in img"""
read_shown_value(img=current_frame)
12h50
